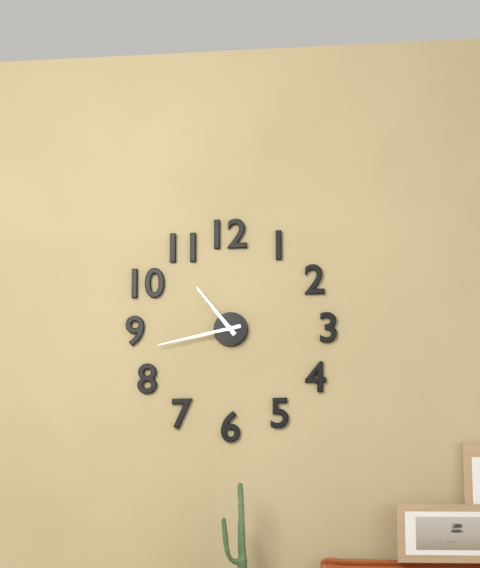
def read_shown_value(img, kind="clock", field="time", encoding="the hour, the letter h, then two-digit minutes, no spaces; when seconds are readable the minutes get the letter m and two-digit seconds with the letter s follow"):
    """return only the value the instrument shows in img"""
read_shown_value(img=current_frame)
10h43
